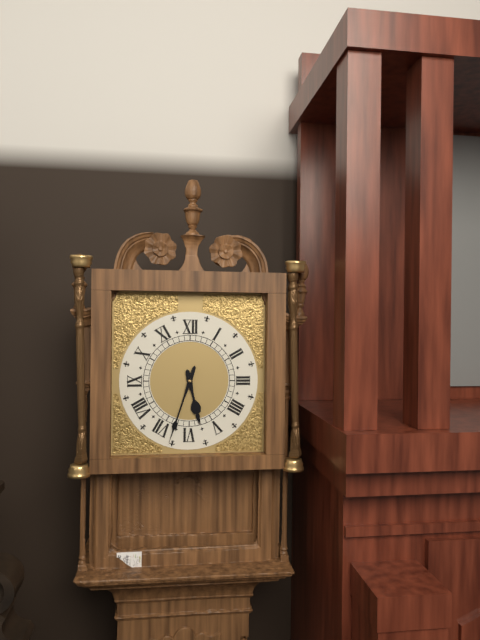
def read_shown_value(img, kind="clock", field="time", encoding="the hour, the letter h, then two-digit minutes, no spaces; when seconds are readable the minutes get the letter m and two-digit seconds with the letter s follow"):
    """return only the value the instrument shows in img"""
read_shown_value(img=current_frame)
5h33
